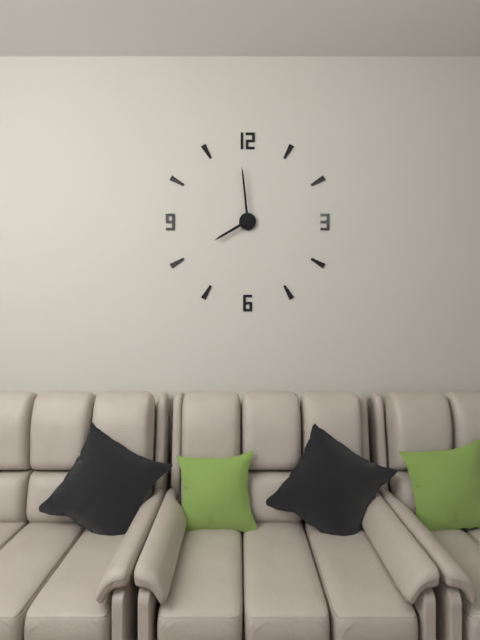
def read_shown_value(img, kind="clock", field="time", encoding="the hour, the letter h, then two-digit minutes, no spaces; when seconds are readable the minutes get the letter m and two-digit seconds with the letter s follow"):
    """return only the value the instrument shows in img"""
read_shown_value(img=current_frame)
7h59
